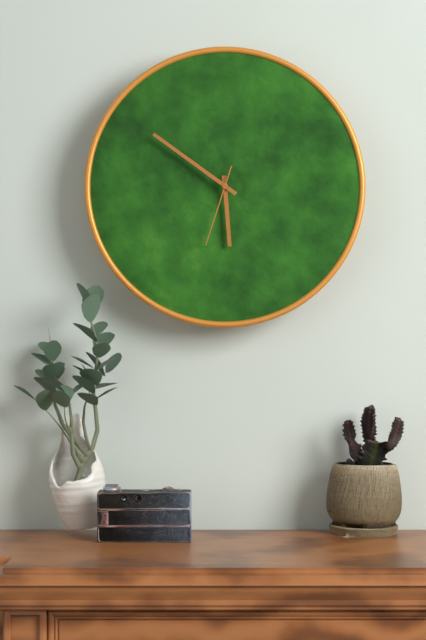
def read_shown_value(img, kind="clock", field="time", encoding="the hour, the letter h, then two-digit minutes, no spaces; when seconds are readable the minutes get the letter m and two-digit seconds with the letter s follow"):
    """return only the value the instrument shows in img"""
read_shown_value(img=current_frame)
5h51m33s
